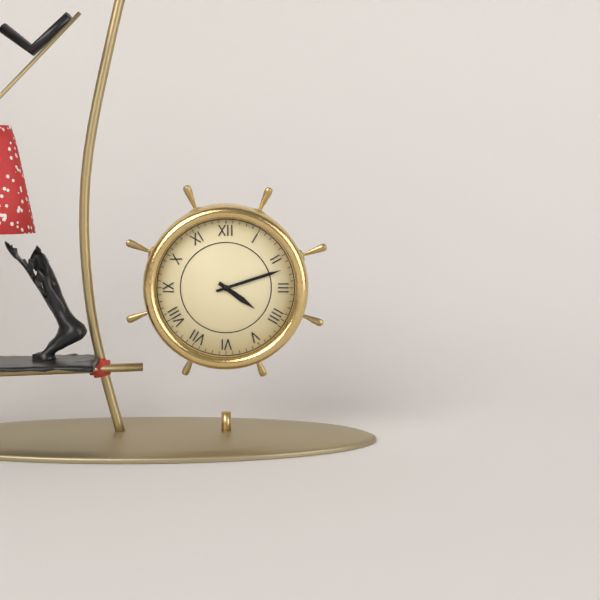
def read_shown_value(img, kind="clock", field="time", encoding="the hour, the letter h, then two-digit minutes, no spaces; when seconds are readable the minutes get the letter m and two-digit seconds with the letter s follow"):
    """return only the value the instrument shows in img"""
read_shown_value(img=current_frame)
4h12
